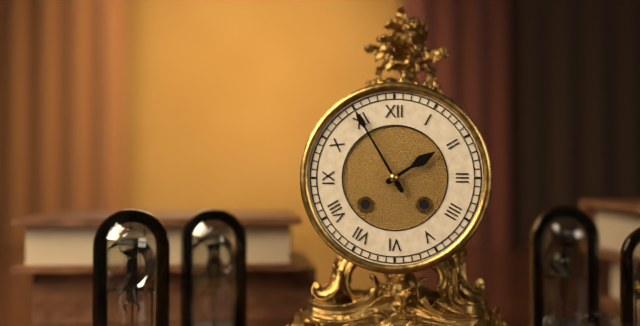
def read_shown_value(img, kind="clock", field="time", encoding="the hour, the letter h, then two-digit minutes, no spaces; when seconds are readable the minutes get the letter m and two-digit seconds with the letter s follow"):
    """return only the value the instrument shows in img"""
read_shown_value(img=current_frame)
1h55
